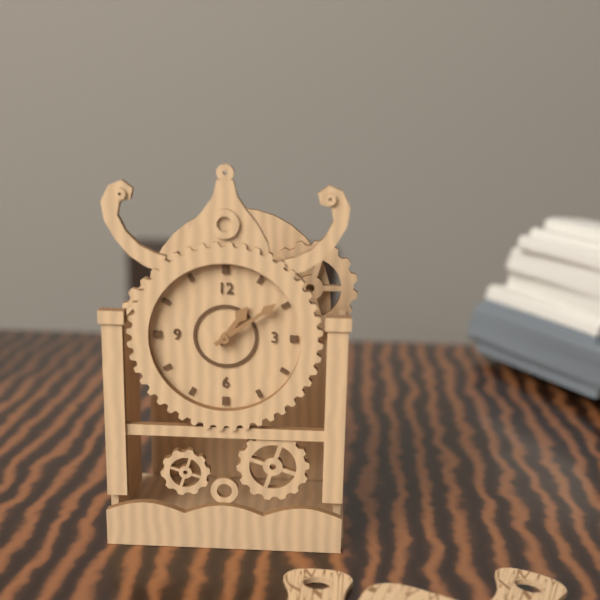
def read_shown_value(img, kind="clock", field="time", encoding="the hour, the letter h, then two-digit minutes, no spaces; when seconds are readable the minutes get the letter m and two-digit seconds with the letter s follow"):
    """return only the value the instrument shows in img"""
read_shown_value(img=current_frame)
1h09
